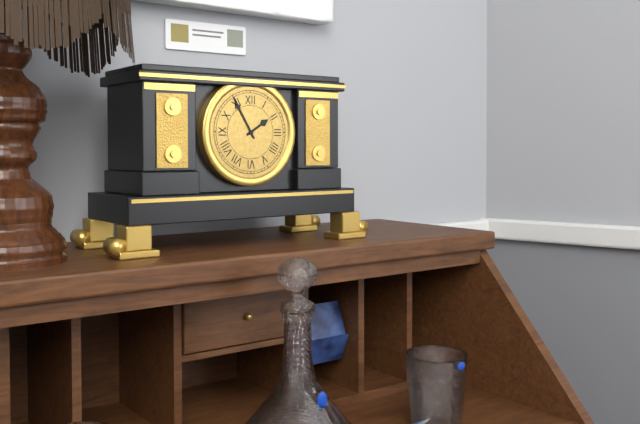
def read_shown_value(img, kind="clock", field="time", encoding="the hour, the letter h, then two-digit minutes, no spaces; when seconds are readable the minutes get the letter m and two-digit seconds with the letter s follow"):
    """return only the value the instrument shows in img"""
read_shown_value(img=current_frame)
1h55
